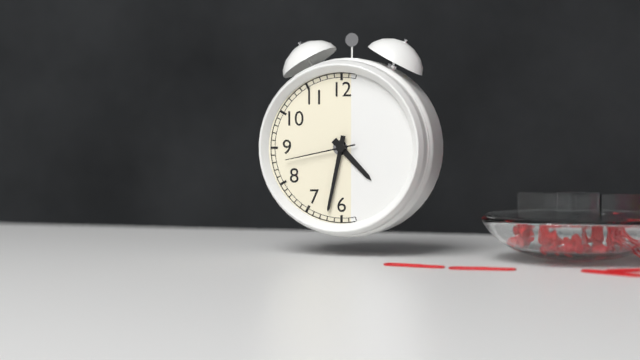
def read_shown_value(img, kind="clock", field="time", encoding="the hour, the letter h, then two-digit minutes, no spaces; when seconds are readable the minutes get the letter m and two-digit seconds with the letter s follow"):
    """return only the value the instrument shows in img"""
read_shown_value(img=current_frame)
4h32m43s
